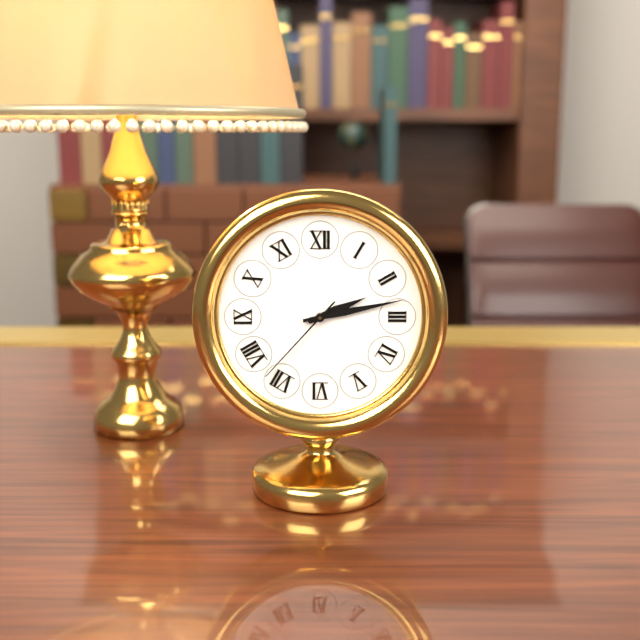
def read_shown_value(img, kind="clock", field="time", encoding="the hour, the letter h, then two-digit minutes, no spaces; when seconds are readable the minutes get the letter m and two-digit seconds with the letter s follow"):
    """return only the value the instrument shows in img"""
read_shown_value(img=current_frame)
2h13m37s
